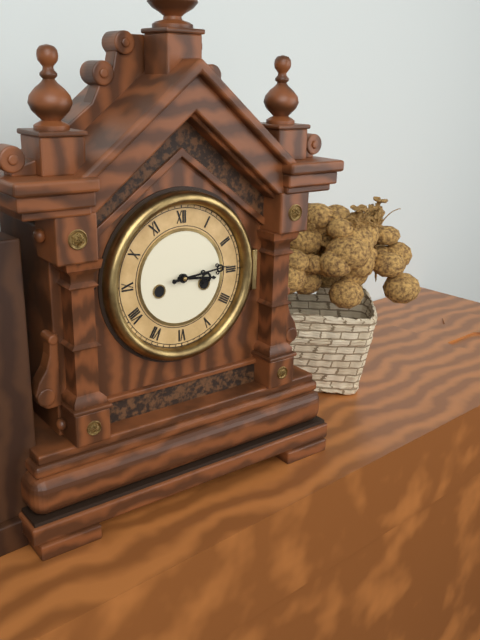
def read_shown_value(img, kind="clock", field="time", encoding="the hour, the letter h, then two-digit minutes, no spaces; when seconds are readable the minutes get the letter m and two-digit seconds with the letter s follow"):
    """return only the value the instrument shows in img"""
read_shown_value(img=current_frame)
3h14
